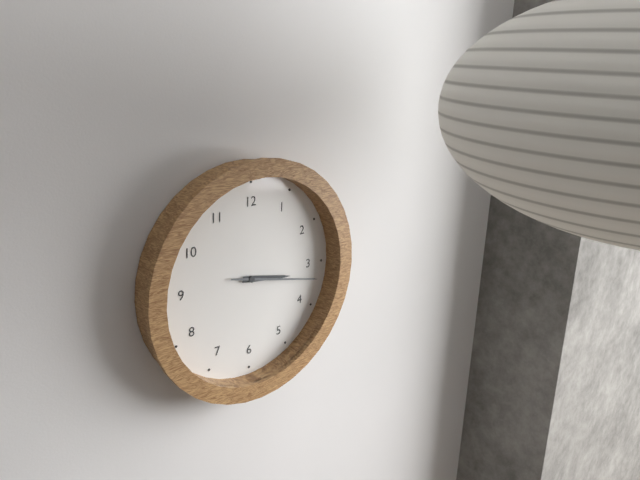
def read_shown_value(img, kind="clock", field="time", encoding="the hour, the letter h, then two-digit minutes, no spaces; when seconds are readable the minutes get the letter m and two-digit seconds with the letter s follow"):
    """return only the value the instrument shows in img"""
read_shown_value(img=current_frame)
3h17
